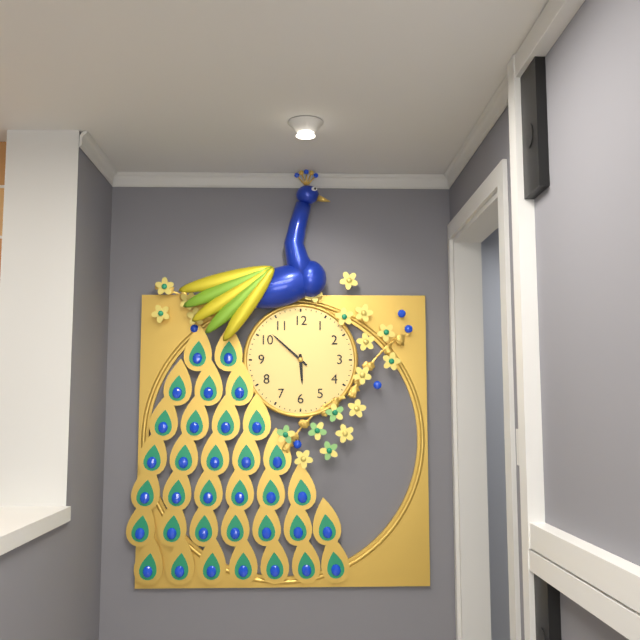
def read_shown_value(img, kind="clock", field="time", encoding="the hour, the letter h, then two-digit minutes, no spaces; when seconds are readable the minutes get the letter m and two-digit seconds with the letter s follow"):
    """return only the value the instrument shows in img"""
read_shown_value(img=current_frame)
5h52
